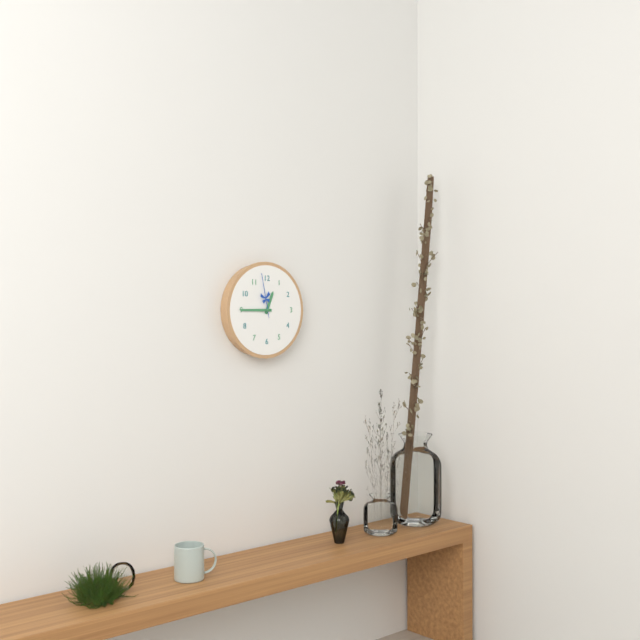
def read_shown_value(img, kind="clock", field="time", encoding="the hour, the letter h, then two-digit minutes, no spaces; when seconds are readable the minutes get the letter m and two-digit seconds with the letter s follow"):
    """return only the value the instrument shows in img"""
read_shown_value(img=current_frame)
12h45
